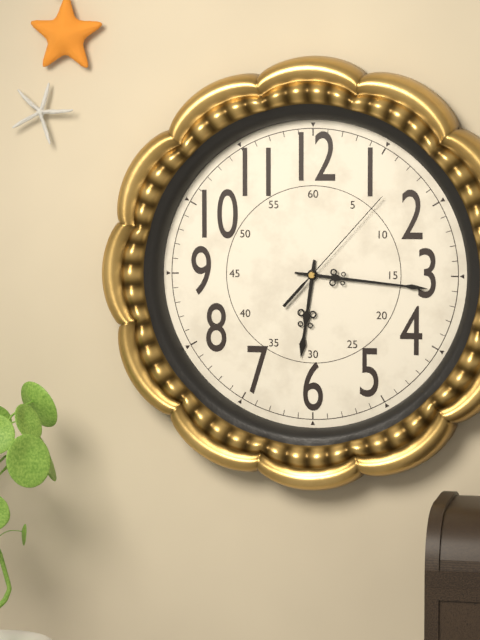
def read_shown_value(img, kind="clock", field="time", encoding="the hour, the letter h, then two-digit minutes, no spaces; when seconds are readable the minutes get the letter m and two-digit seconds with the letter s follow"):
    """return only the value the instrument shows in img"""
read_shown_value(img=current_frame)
6h16m07s
